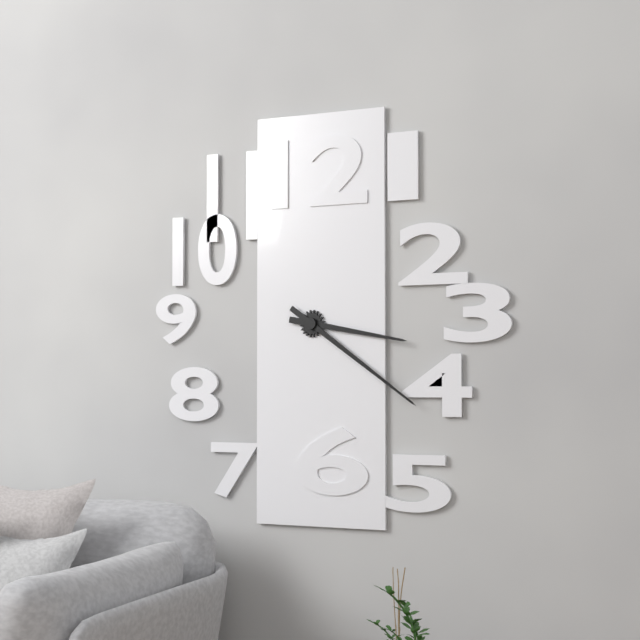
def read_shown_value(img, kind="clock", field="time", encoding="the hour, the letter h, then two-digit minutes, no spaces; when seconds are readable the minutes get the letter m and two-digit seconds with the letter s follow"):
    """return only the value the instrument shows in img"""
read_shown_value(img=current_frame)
3h21
